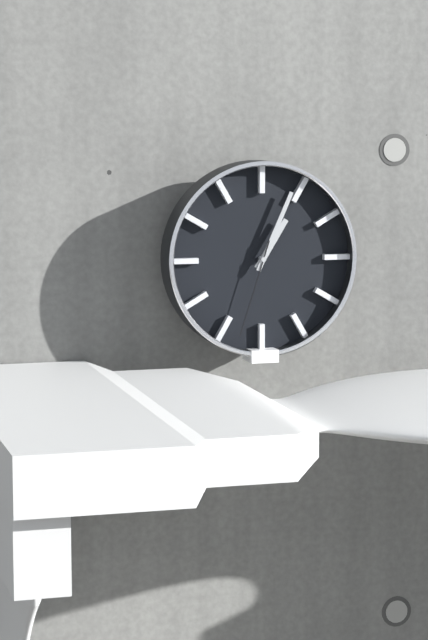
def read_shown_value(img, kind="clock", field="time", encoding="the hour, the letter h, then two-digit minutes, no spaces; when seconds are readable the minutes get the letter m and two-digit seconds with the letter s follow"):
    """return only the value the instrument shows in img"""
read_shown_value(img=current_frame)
1h04m33s
